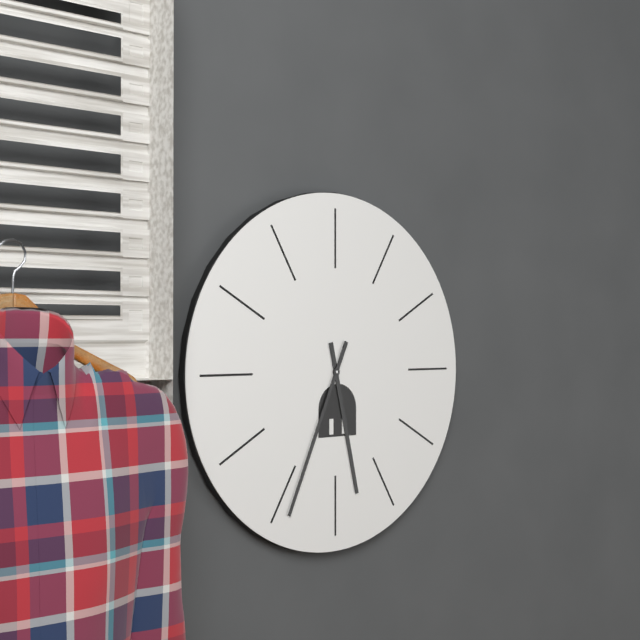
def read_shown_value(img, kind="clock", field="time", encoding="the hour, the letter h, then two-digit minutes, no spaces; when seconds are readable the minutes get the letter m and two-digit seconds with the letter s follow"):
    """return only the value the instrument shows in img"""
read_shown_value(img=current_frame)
5h34
